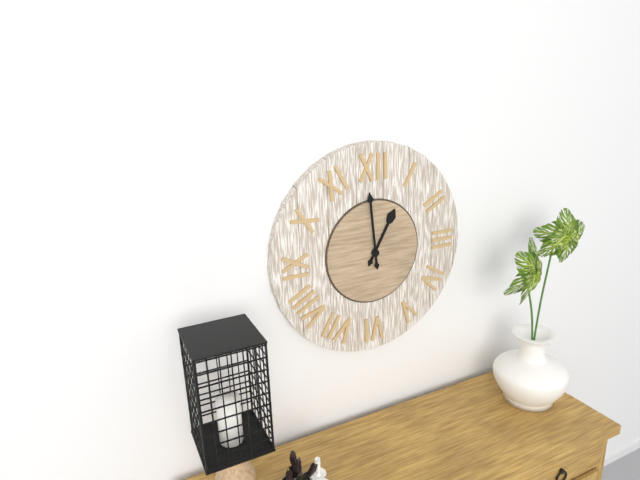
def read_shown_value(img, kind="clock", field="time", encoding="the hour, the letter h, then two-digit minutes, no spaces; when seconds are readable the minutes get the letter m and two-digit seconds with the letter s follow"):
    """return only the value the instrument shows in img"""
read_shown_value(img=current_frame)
12h59
